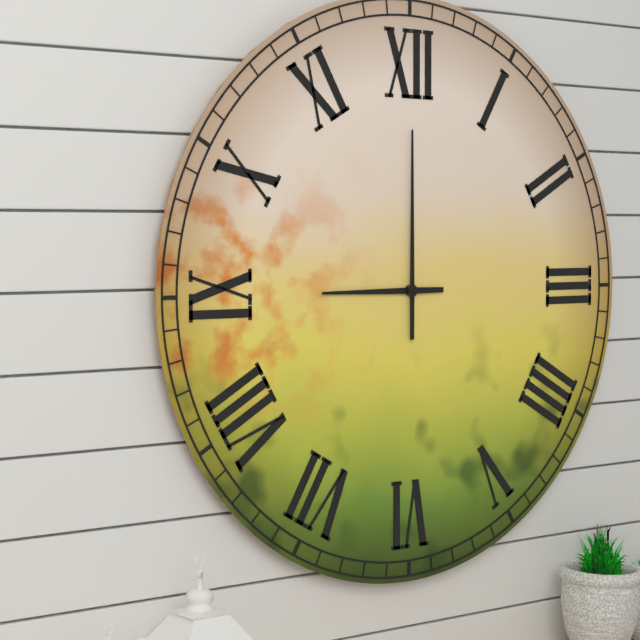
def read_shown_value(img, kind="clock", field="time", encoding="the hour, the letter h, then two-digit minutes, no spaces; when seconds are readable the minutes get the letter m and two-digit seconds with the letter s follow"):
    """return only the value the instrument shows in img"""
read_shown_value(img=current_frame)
9h00
